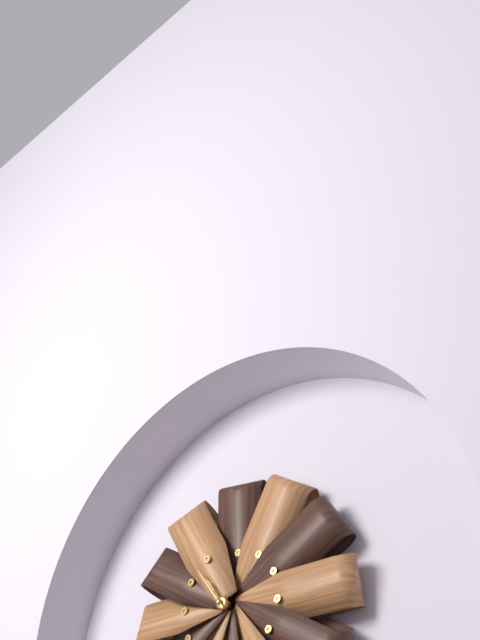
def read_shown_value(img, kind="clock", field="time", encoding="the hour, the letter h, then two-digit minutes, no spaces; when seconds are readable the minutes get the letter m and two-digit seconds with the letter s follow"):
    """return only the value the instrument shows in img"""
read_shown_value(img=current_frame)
10h54
